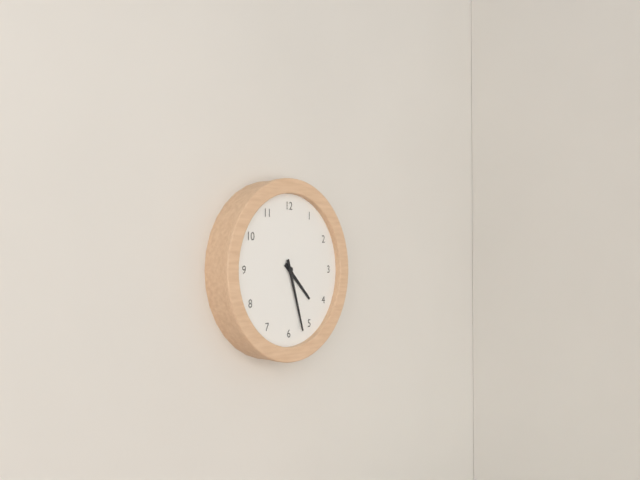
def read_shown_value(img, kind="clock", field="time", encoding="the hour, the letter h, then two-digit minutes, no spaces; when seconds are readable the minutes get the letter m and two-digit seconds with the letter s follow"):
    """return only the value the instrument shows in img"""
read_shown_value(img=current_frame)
4h27
